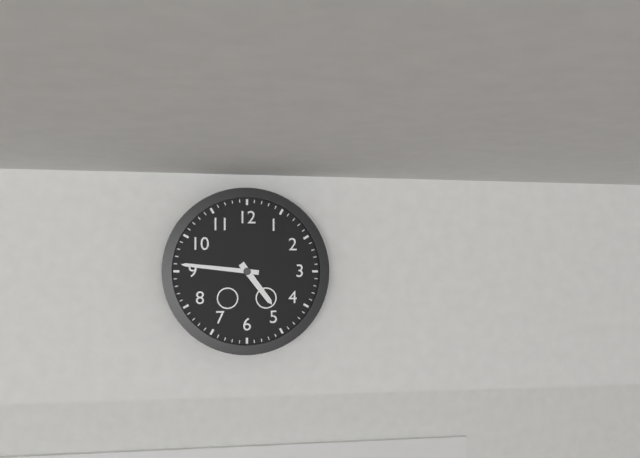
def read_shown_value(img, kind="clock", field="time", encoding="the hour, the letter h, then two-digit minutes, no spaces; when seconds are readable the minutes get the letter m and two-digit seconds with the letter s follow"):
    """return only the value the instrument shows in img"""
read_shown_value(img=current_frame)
4h46
